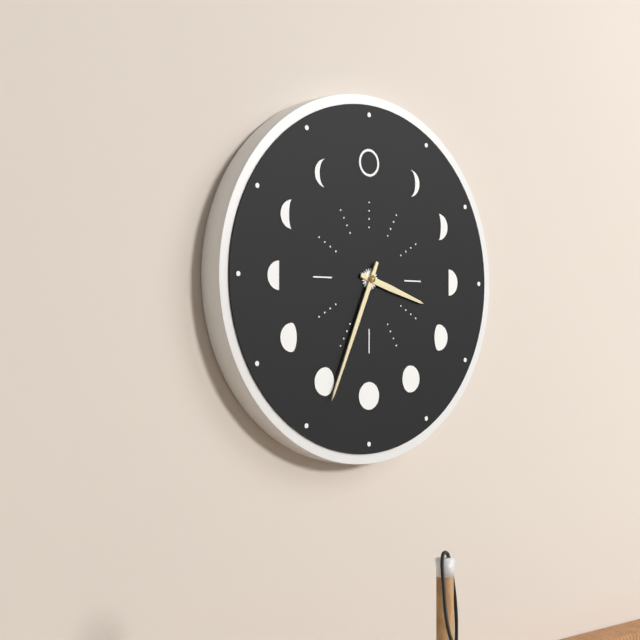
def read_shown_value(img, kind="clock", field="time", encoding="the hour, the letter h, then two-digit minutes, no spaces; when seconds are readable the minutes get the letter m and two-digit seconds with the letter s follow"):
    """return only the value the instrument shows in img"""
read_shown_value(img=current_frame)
3h34
